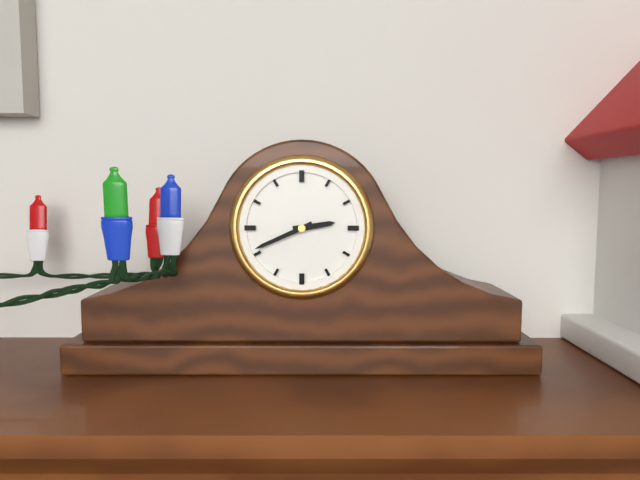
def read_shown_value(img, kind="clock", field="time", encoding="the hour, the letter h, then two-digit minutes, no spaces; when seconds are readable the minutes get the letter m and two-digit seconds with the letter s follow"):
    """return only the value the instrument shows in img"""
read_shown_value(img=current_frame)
2h41
